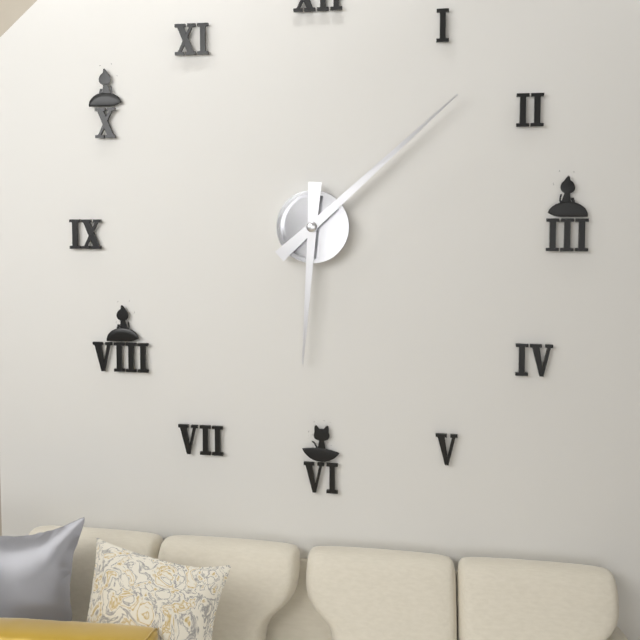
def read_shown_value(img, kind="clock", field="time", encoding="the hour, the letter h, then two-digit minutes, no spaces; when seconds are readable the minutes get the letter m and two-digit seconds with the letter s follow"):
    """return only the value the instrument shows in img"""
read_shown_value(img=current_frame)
6h08
